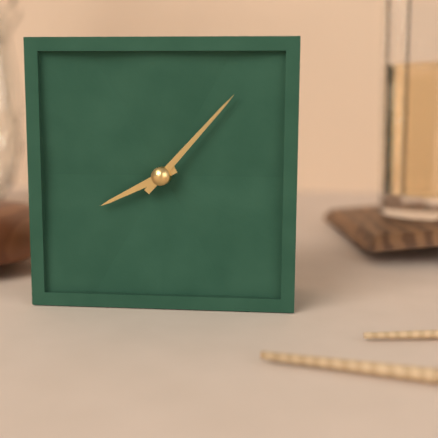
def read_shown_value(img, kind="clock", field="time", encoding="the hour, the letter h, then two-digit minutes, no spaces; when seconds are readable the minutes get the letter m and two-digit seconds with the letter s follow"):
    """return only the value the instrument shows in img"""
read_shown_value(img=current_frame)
8h07
